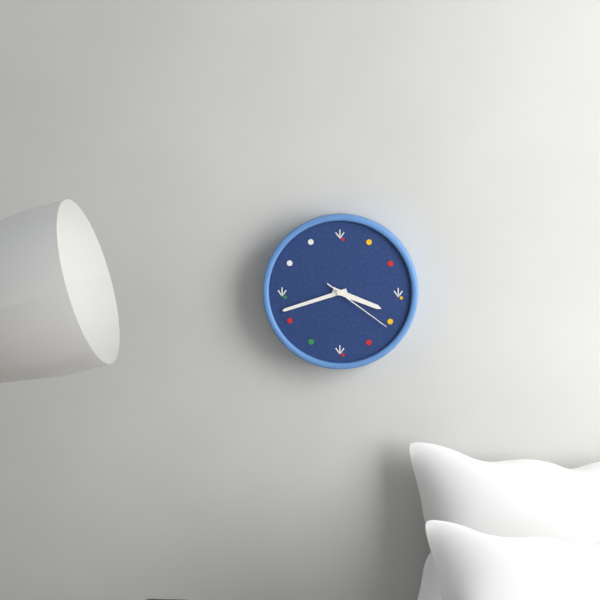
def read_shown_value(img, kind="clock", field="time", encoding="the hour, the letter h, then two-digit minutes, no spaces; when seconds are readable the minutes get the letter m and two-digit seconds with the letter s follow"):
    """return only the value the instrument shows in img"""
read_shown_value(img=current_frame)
3h42m21s
